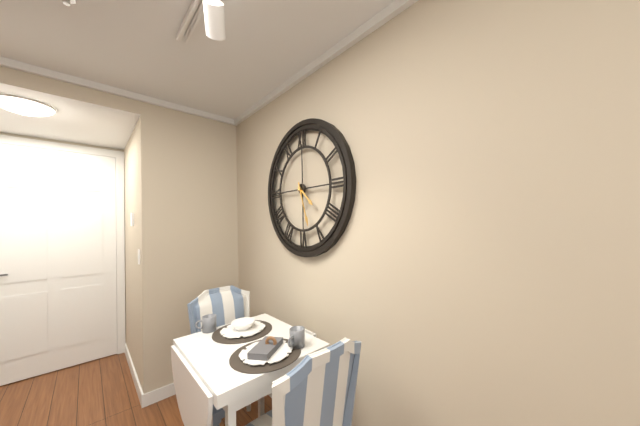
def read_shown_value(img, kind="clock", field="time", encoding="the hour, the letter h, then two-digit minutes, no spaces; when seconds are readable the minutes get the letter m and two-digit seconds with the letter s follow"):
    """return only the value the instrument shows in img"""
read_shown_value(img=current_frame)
4h27
